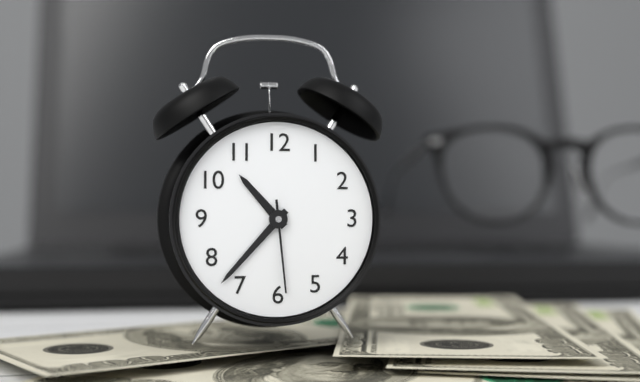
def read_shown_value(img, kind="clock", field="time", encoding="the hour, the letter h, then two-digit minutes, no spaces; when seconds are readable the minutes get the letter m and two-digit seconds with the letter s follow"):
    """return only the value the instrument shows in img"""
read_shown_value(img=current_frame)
10h37m29s
